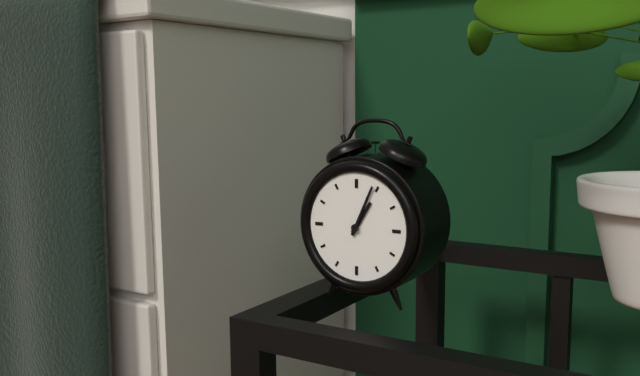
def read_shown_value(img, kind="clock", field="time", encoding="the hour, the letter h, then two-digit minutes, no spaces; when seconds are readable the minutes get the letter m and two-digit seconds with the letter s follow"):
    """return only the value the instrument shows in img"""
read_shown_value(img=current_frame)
1h04
